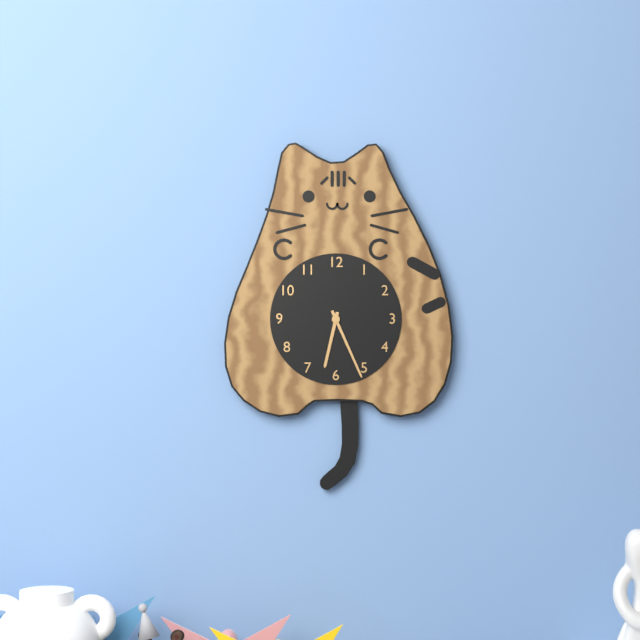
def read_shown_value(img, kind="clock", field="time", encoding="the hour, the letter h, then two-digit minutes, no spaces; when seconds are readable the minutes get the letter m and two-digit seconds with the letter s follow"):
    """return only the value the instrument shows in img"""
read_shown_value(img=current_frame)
6h26
